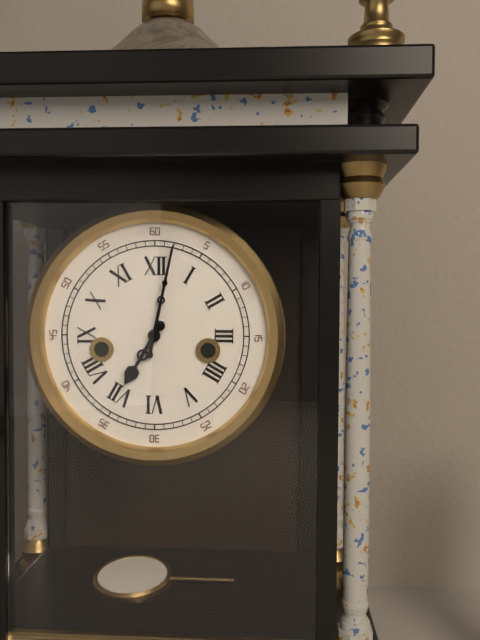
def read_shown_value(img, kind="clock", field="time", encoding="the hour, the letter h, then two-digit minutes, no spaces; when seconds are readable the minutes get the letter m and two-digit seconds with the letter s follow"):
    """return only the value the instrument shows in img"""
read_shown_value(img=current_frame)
7h02
